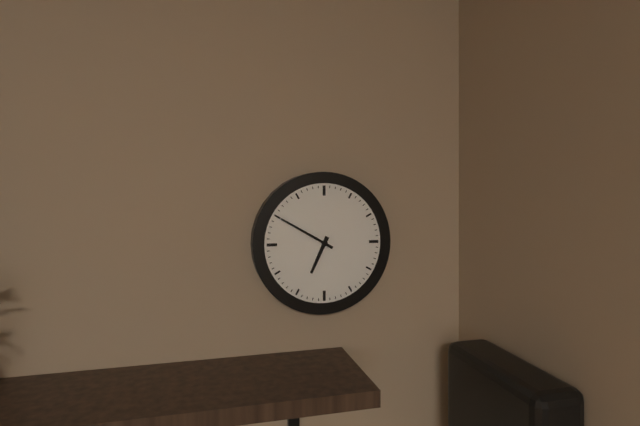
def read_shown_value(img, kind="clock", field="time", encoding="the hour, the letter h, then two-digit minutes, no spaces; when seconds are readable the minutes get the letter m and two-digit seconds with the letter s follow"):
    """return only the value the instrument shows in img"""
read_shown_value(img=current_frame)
6h50
